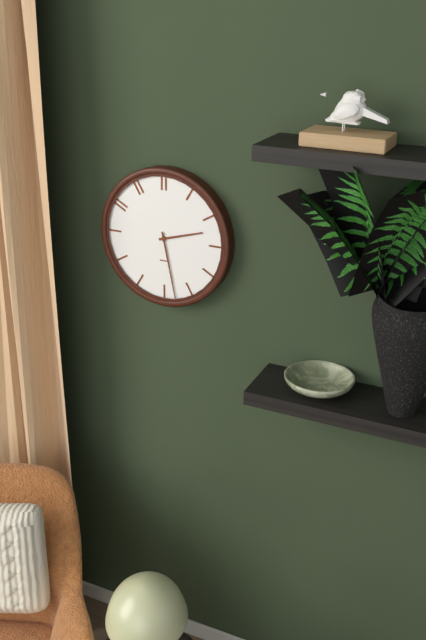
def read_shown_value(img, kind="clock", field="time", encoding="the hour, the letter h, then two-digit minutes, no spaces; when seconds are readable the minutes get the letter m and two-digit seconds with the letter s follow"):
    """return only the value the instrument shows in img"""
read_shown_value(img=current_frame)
2h28
